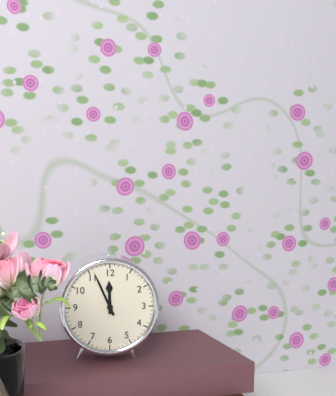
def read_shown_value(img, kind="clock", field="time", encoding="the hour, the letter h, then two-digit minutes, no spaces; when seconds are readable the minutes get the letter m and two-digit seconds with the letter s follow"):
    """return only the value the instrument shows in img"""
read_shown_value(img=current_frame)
11h56
